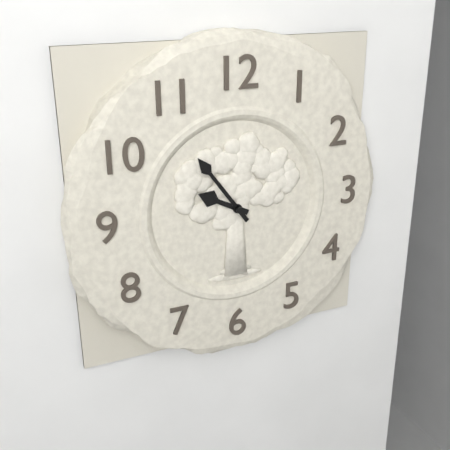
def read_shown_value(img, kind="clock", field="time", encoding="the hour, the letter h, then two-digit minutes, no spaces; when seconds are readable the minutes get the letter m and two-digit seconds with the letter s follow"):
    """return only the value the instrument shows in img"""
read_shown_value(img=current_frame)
9h54
